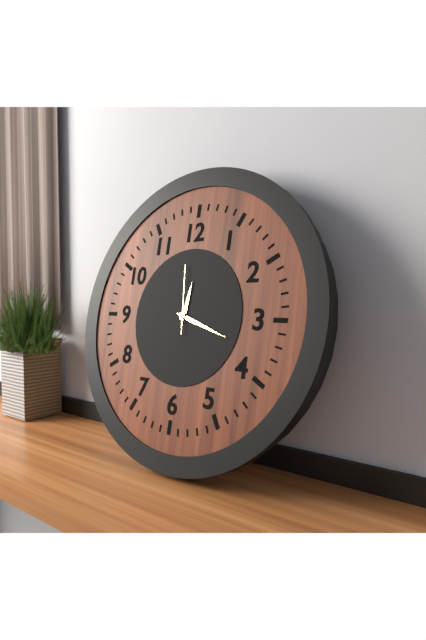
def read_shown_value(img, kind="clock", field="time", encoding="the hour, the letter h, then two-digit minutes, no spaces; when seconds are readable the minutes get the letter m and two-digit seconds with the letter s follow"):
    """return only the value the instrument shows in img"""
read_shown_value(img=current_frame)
12h18m59s
